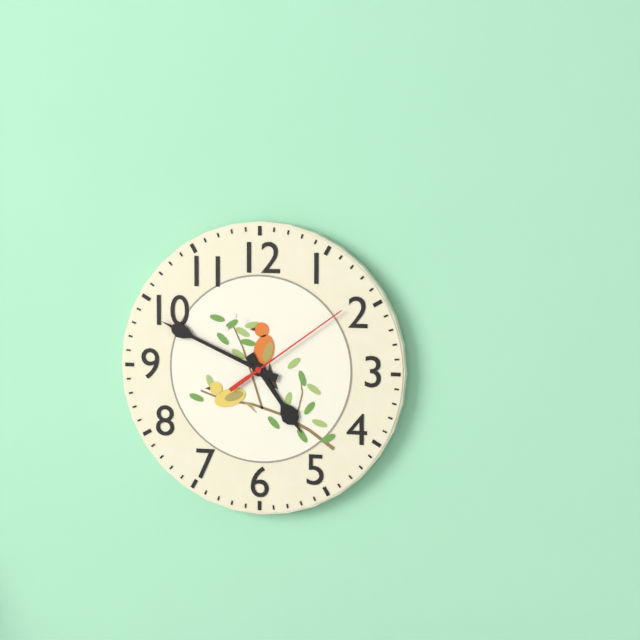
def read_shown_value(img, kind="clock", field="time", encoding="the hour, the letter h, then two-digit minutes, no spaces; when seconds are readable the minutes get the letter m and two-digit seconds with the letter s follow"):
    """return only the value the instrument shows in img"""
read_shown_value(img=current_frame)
4h49m09s
